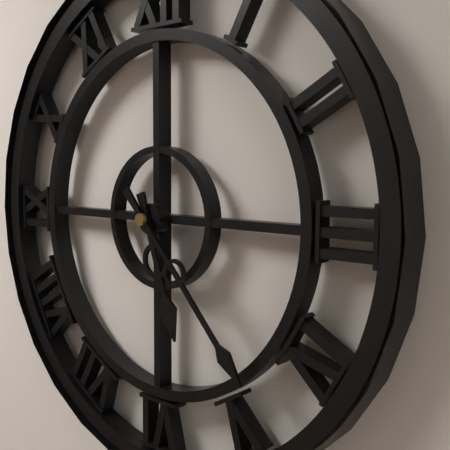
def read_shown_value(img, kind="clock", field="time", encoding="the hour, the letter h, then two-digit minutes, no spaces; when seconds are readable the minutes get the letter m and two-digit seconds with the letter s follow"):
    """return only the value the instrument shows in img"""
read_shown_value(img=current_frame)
5h23
